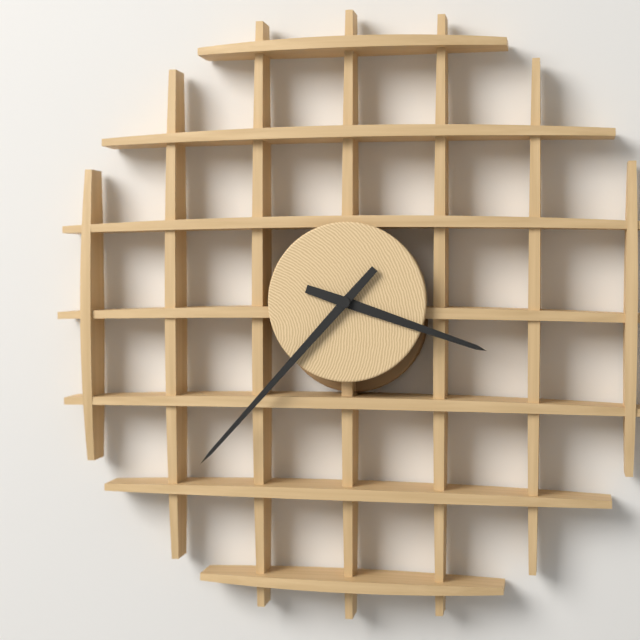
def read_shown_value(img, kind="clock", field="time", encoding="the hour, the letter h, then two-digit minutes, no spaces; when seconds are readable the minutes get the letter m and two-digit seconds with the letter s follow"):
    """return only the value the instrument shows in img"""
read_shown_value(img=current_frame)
3h37
